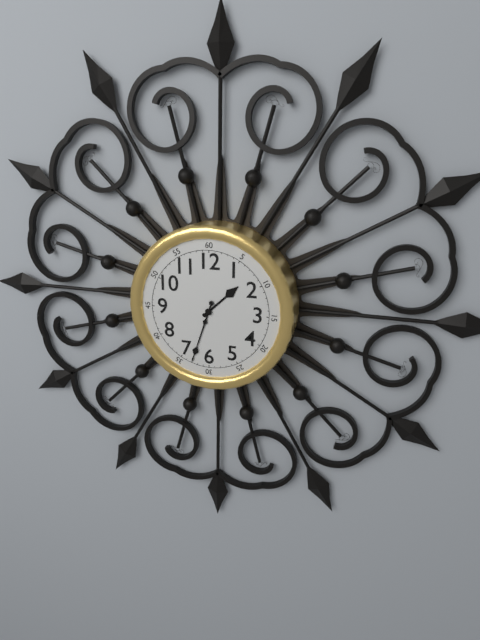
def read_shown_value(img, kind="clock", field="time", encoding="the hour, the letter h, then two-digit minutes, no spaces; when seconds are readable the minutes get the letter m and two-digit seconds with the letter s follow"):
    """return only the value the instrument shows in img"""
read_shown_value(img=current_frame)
1h33
